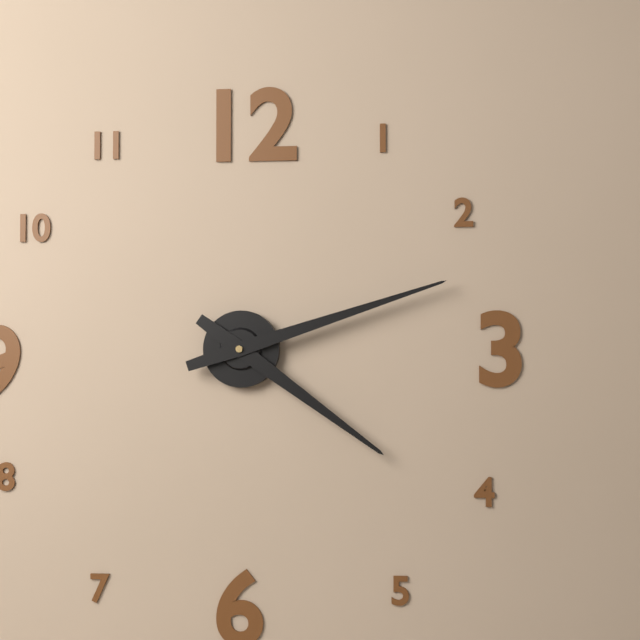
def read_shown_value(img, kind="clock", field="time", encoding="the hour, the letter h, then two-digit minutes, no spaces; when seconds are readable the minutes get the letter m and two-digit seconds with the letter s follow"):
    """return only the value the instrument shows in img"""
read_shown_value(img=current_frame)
4h12
